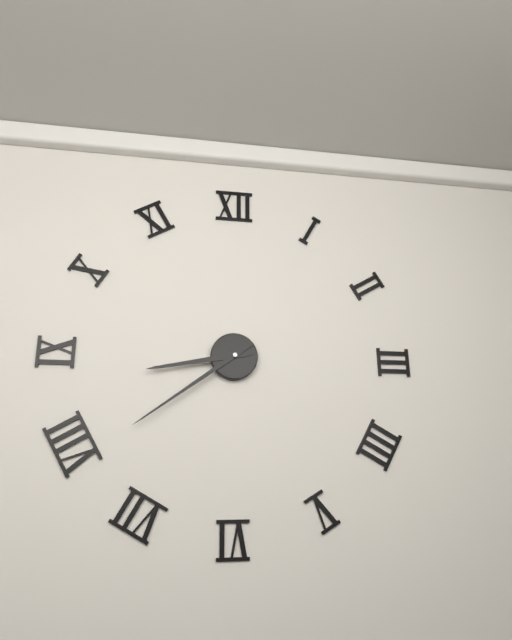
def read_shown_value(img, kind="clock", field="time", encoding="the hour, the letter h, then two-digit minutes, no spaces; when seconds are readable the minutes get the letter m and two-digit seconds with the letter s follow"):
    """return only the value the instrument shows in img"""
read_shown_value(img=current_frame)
8h39
